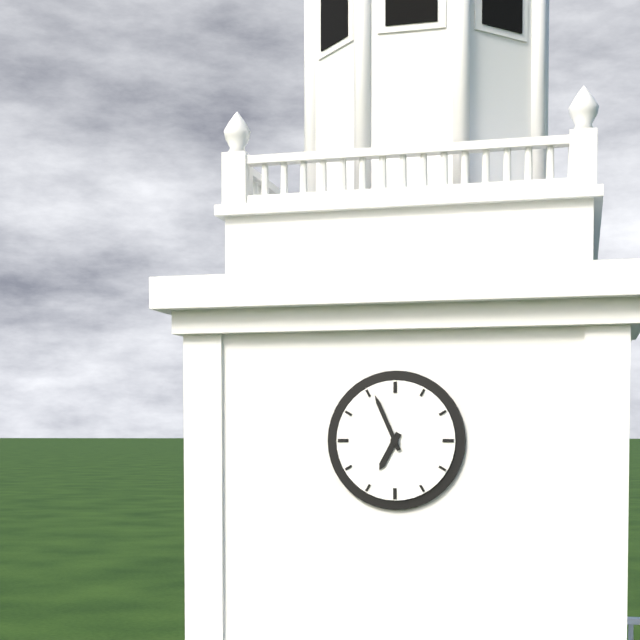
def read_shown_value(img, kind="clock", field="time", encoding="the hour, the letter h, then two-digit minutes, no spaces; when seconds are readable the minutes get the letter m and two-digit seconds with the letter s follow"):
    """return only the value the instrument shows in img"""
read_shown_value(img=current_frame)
6h56
